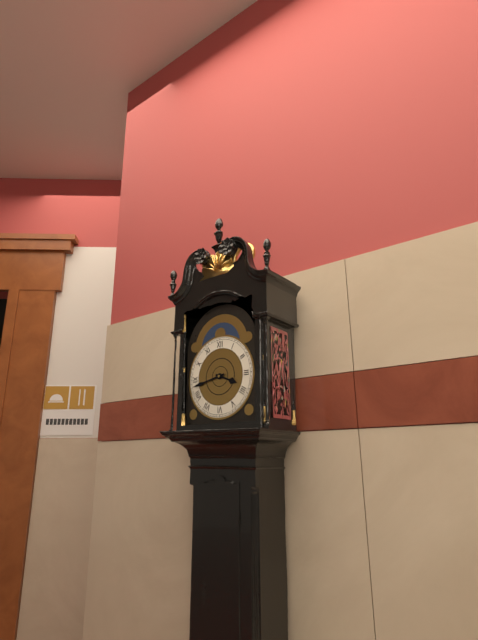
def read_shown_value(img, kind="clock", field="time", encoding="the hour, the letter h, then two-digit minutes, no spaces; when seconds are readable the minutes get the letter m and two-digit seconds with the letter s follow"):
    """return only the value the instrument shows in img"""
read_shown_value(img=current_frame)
3h43
